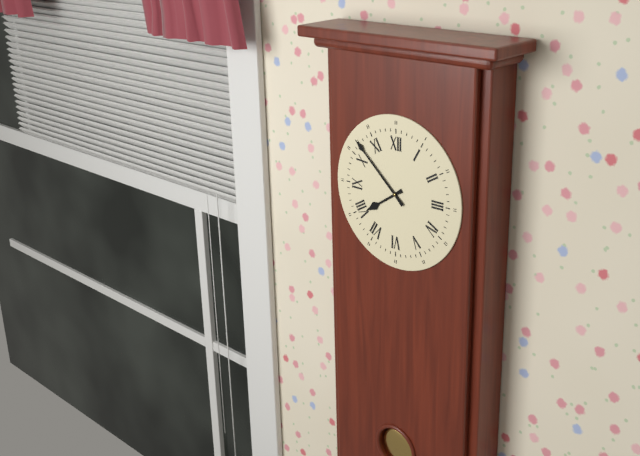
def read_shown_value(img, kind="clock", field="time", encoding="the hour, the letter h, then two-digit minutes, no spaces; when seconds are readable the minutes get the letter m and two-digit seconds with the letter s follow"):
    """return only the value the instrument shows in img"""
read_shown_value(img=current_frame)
7h52
